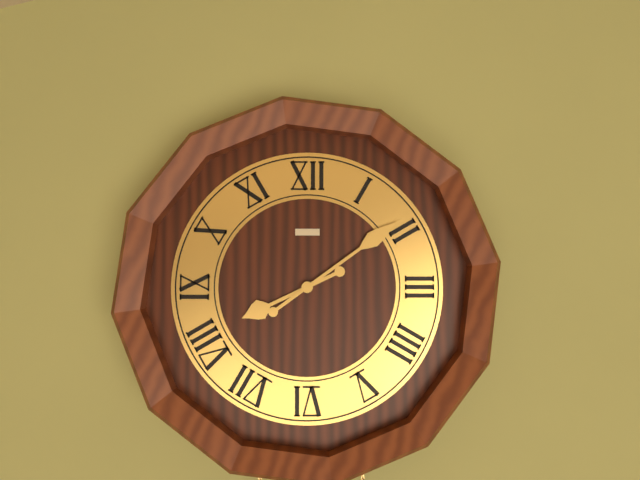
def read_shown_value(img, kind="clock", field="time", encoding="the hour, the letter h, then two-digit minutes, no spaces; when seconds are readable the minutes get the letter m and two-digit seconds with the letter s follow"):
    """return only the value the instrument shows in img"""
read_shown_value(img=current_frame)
8h09
